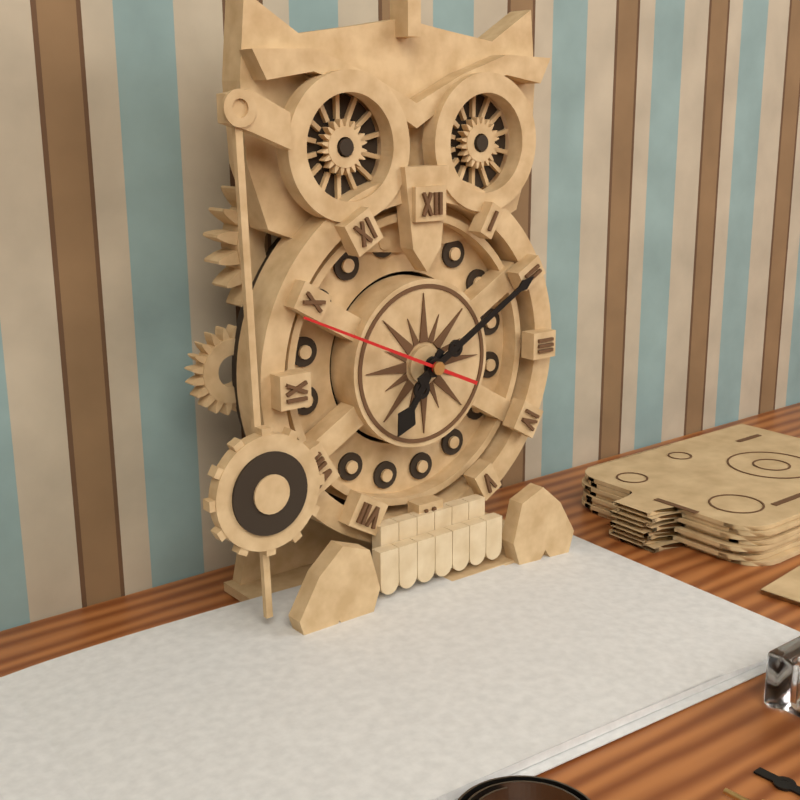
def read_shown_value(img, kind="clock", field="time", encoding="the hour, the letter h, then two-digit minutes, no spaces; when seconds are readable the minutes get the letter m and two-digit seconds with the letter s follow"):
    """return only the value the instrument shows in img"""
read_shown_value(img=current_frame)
7h10m49s
